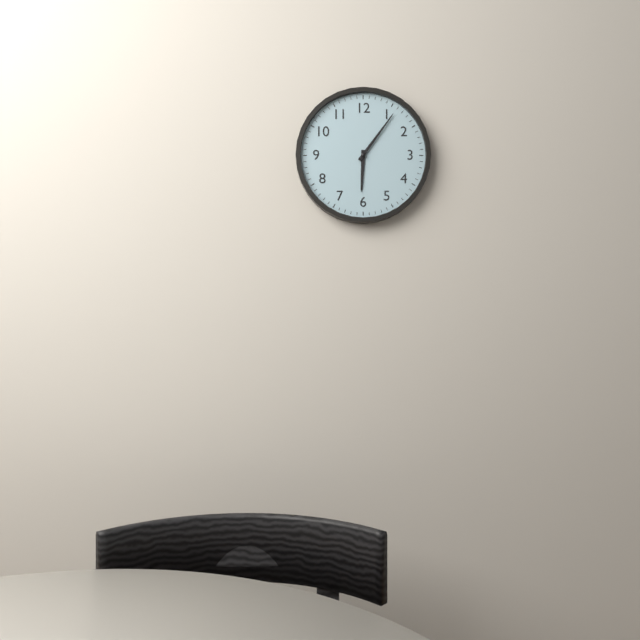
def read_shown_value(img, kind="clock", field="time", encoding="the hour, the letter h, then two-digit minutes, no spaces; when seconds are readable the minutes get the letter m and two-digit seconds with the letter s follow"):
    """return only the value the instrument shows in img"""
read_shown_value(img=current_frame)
6h06
